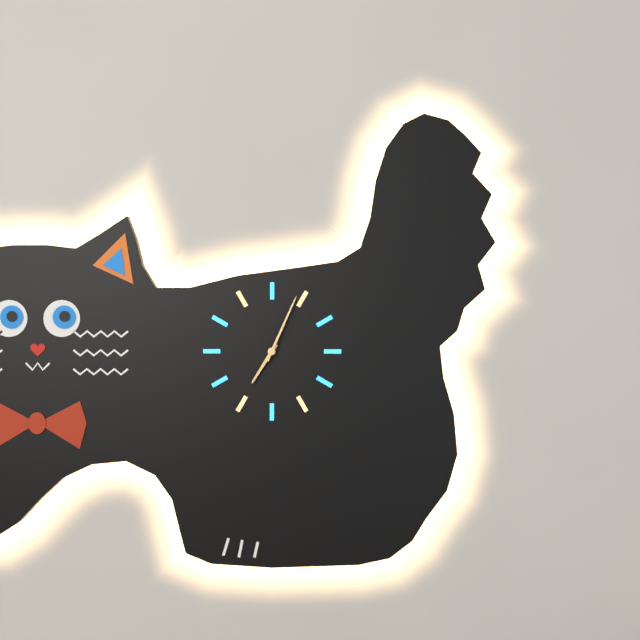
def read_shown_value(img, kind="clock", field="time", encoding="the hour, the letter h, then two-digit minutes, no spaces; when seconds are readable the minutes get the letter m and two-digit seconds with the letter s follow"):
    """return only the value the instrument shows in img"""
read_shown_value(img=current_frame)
7h04
